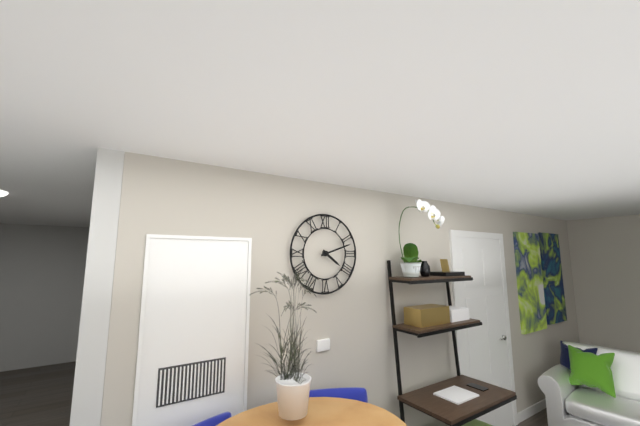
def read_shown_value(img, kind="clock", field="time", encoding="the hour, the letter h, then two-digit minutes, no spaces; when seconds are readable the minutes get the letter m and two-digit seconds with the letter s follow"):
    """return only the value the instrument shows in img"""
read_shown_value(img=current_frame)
4h12
